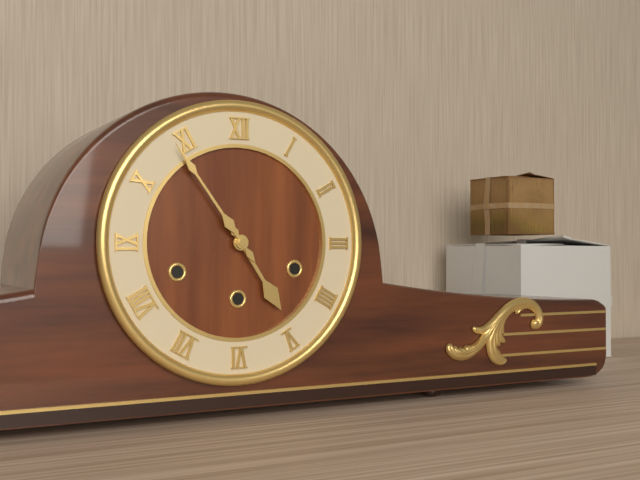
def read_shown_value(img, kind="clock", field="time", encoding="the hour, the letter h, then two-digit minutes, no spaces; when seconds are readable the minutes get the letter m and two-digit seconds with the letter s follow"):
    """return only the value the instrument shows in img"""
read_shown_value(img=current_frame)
4h54
